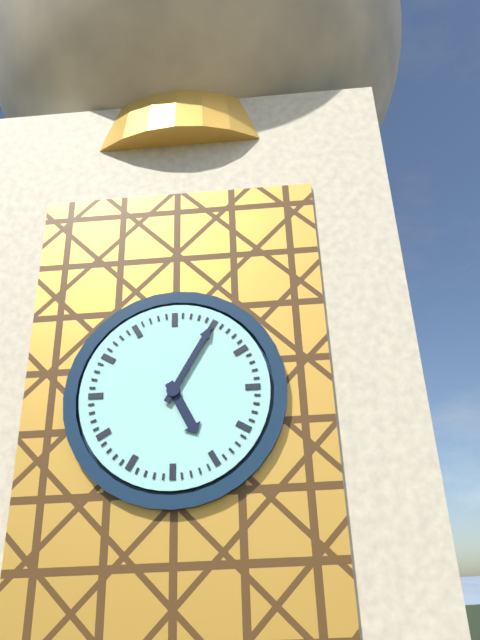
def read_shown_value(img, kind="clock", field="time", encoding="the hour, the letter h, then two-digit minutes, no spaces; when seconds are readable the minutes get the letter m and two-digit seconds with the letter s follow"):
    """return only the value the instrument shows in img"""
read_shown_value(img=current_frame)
5h05
